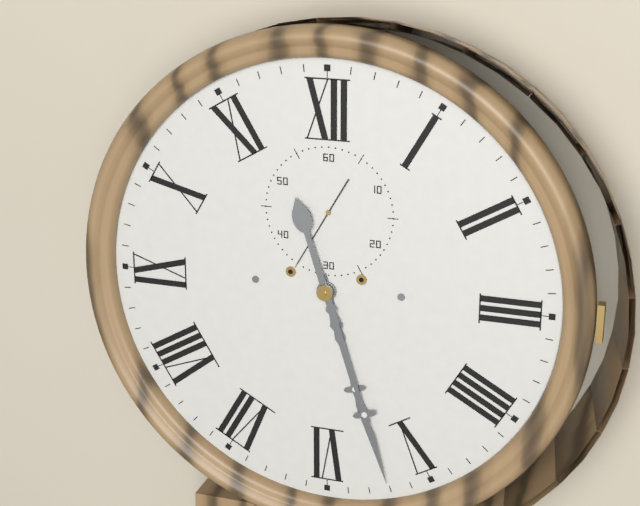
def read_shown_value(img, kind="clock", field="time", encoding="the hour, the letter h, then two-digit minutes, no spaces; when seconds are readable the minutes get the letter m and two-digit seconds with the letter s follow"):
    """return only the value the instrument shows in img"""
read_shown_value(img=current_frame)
5h27m35s
